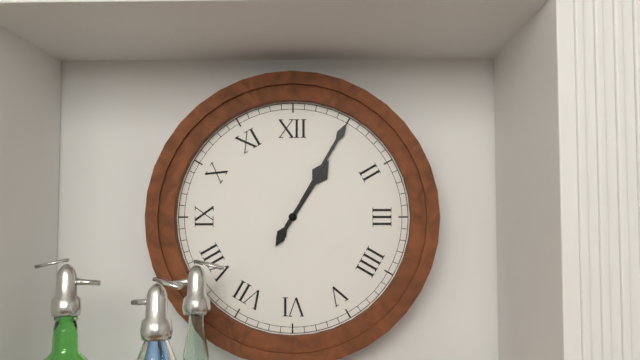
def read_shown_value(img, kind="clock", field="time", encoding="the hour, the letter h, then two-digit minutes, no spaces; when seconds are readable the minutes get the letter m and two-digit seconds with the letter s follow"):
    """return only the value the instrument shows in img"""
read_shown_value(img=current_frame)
1h05
